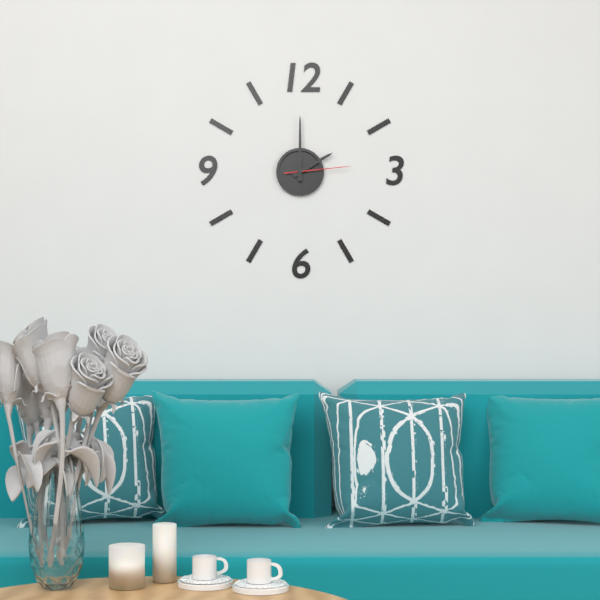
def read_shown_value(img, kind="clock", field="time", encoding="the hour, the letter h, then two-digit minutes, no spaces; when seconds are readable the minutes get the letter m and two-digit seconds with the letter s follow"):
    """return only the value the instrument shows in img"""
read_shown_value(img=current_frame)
2h00m14s
